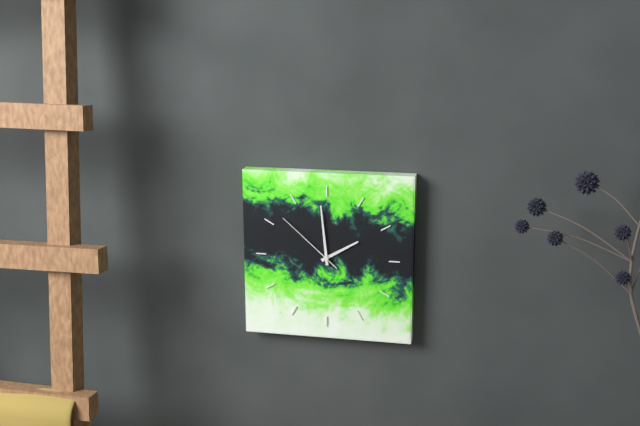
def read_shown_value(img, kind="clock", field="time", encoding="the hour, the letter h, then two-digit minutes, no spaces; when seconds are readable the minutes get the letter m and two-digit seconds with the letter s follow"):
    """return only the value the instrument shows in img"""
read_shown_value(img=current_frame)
1h59m52s
